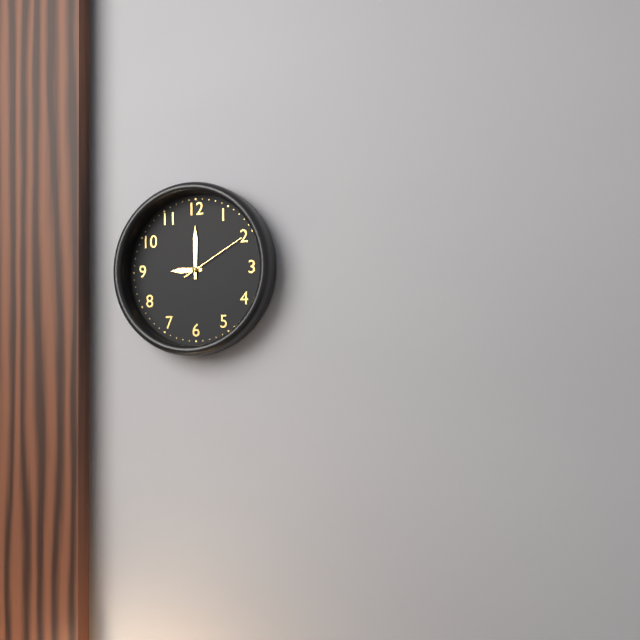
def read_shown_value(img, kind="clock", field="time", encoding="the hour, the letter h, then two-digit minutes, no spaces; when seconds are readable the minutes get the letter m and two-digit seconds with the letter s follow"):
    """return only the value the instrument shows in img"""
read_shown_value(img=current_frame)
9h00m10s
